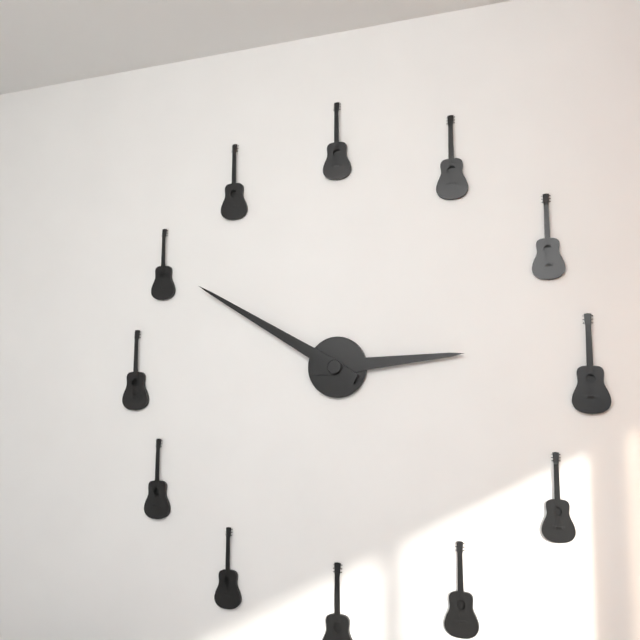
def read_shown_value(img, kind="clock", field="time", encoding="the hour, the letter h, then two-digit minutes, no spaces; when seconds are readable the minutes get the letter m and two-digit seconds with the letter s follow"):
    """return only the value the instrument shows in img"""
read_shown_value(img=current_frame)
2h50
